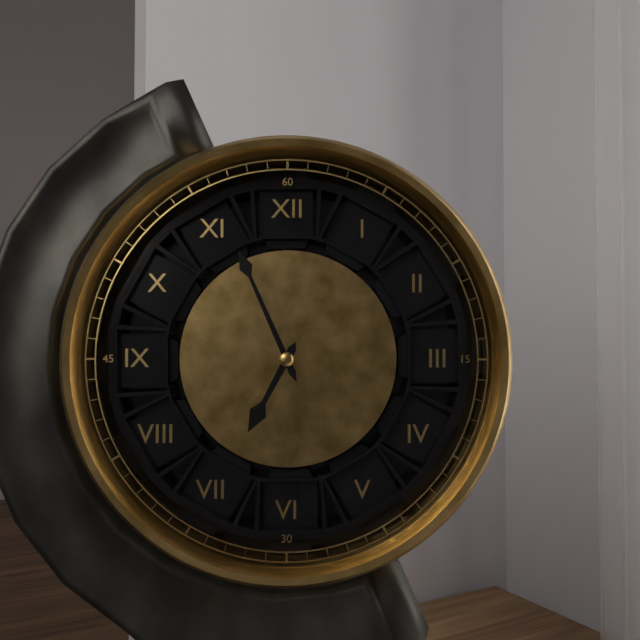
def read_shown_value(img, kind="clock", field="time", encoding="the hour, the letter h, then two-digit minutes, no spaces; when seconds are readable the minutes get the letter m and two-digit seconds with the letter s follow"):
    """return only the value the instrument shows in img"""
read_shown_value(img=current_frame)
6h56
